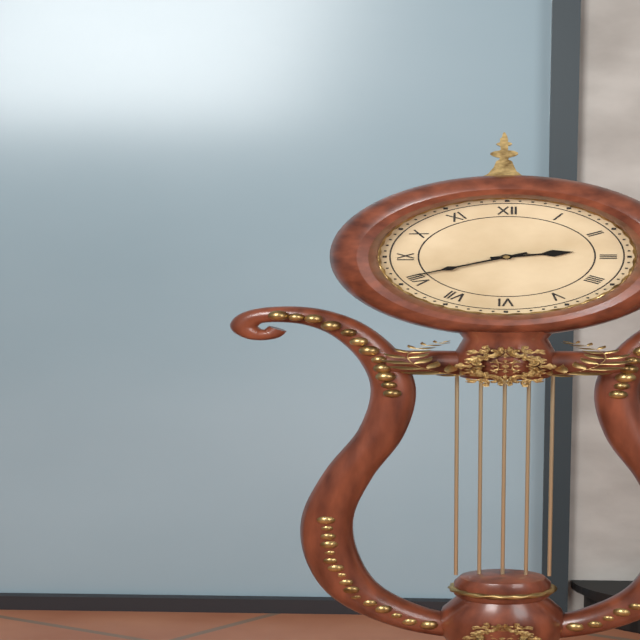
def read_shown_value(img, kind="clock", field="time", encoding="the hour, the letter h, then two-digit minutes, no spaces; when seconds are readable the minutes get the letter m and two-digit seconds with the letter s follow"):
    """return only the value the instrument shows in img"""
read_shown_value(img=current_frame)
2h41
